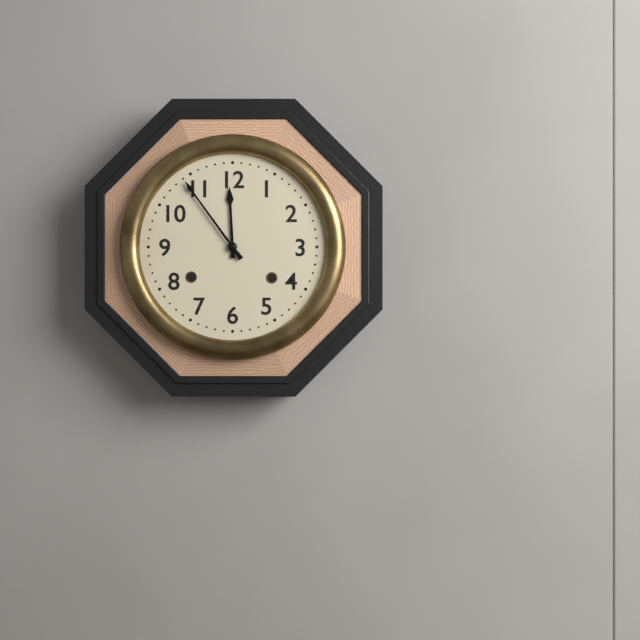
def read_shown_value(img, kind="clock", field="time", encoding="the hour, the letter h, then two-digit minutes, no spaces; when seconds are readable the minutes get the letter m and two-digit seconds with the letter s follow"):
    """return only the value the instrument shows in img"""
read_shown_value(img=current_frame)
11h54
